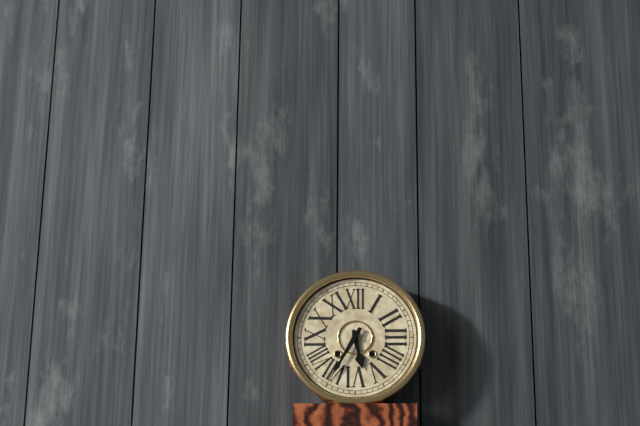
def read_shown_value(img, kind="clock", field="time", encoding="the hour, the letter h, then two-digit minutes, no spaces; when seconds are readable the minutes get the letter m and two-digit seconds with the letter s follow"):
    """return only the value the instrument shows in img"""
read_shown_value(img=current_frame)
5h35
